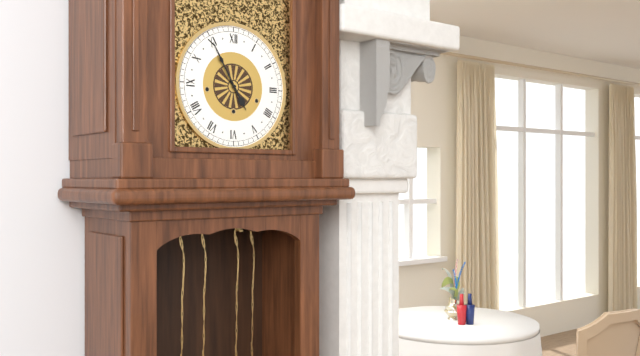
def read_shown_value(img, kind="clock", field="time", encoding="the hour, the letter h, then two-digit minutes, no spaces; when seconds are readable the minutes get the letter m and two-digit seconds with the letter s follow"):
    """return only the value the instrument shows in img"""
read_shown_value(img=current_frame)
4h55
